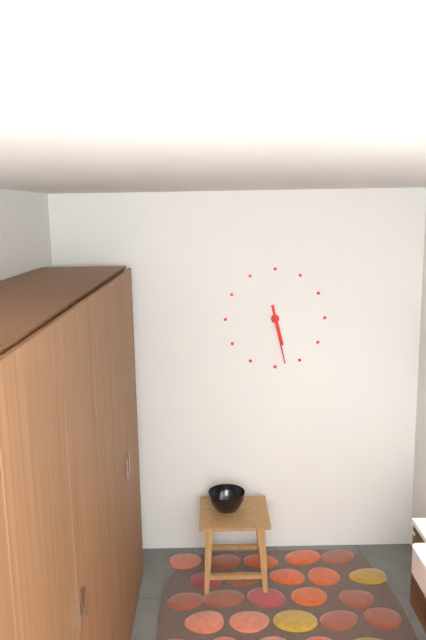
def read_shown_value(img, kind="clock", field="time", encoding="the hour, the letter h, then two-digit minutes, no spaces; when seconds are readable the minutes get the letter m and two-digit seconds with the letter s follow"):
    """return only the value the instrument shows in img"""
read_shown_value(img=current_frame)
5h28
